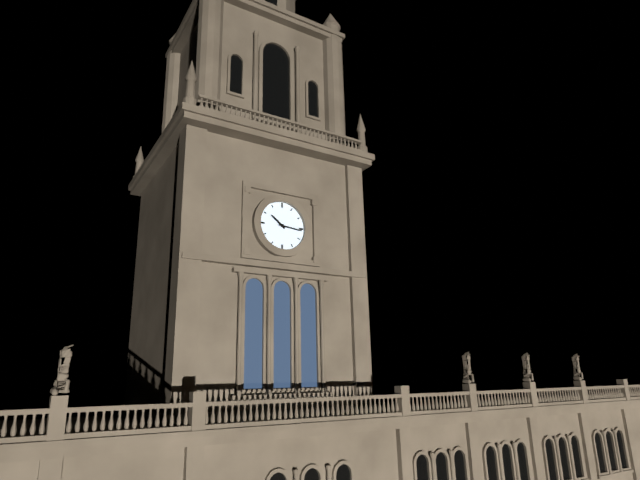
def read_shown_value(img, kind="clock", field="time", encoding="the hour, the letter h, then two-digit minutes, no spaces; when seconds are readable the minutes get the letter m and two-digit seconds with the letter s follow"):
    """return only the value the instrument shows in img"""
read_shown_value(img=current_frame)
10h16
